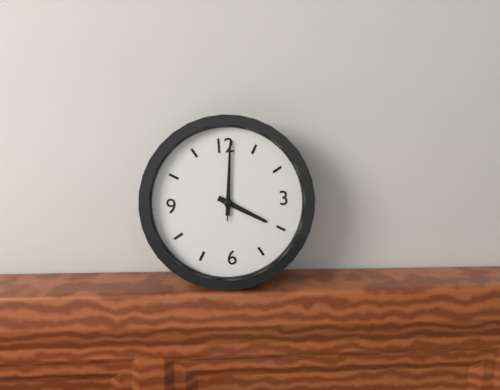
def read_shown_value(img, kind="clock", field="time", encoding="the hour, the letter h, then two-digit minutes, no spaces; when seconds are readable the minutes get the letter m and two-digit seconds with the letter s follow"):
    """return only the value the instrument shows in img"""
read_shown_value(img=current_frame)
4h01m01s
